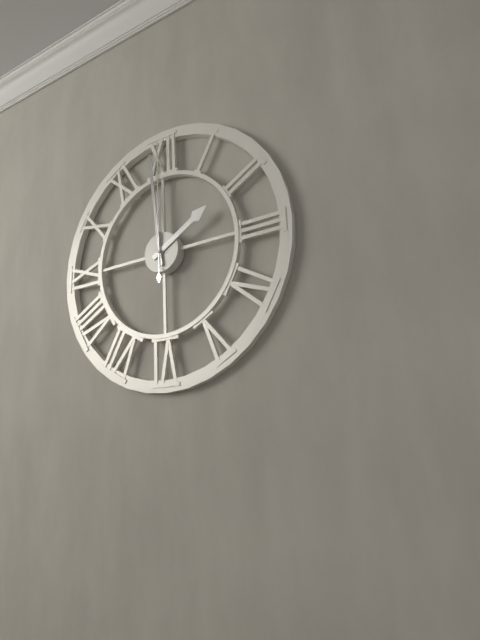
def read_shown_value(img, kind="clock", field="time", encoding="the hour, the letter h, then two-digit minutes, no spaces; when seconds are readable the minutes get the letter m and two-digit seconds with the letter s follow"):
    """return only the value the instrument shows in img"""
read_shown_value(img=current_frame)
1h59m00s
